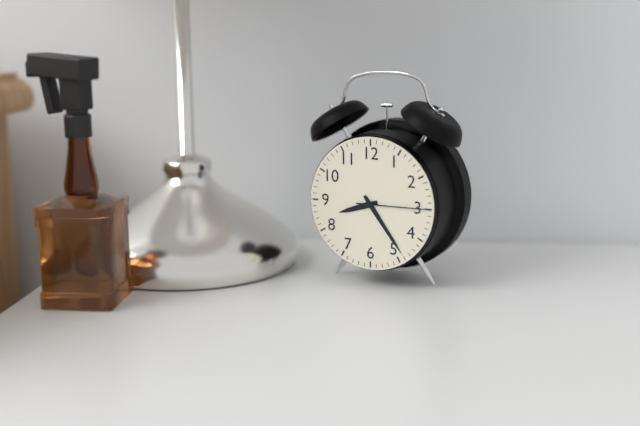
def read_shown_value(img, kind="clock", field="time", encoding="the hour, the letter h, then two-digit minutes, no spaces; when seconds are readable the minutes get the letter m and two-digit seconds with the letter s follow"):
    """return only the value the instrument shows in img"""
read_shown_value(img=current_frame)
8h24m15s
